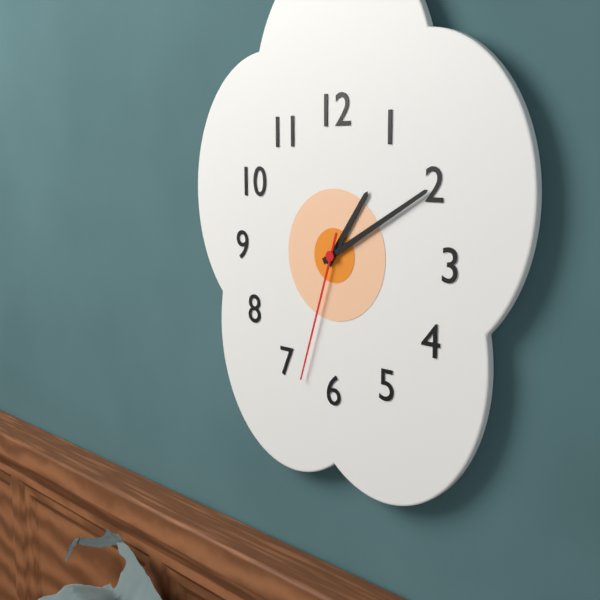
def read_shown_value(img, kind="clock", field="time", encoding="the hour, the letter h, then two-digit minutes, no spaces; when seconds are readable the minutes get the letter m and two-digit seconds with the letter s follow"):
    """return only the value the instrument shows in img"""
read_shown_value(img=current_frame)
1h10m33s
